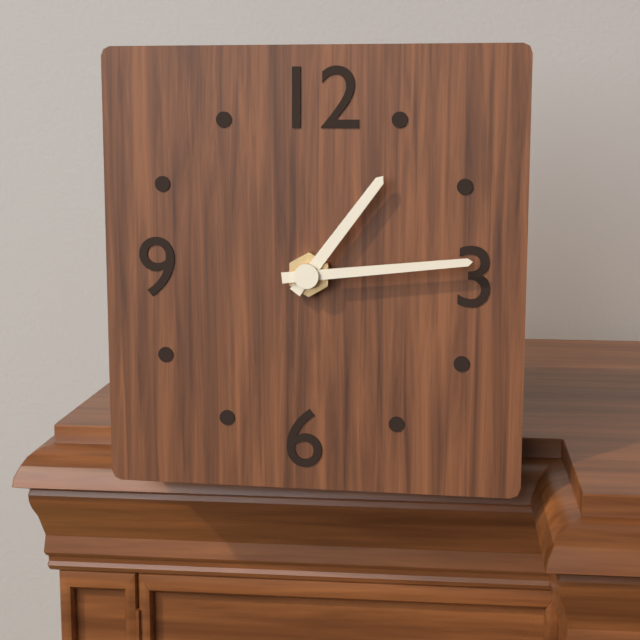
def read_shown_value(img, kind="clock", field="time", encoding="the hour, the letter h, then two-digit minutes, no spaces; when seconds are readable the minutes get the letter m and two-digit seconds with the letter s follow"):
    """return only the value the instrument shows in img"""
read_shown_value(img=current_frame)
1h14
